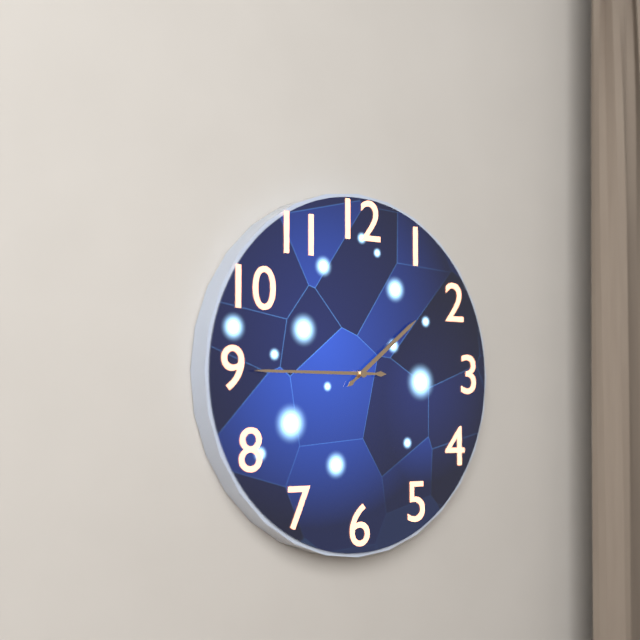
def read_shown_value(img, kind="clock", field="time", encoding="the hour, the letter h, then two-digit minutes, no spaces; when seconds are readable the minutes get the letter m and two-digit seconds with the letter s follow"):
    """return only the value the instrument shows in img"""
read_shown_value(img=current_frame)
1h45
